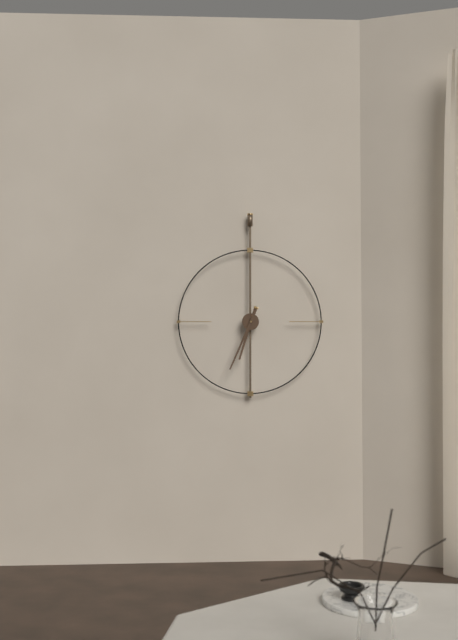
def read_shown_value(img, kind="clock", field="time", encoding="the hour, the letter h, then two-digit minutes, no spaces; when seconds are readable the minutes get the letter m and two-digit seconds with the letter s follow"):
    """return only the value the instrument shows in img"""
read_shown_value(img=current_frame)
6h34
